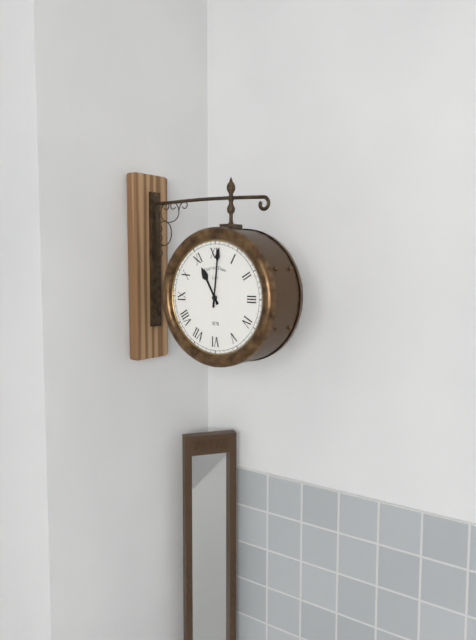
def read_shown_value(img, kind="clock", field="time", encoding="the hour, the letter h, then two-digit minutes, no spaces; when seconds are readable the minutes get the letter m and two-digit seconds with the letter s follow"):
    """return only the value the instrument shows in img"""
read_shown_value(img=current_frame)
11h01
